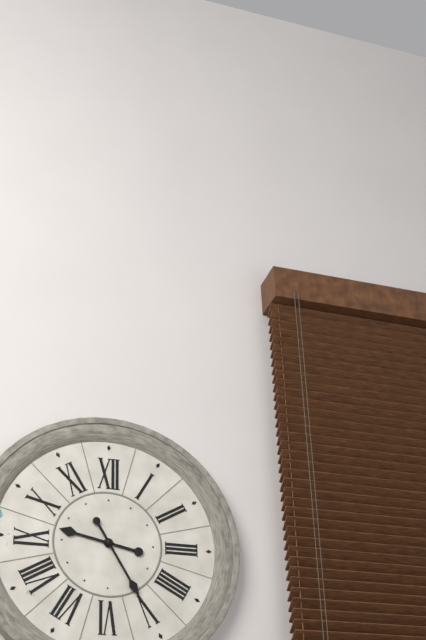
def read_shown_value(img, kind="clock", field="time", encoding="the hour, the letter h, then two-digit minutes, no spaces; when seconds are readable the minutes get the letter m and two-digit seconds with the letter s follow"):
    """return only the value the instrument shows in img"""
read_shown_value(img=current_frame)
9h25
